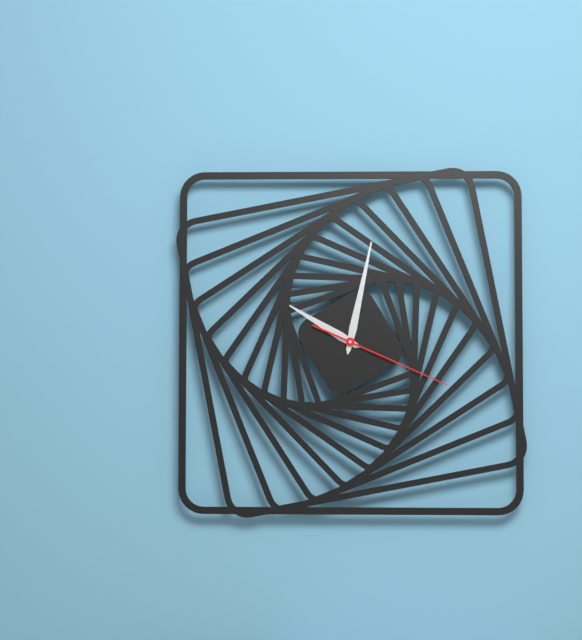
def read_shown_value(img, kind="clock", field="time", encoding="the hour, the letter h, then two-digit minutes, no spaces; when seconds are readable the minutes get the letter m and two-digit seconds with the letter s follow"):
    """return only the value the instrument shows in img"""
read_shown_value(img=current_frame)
10h02m19s
